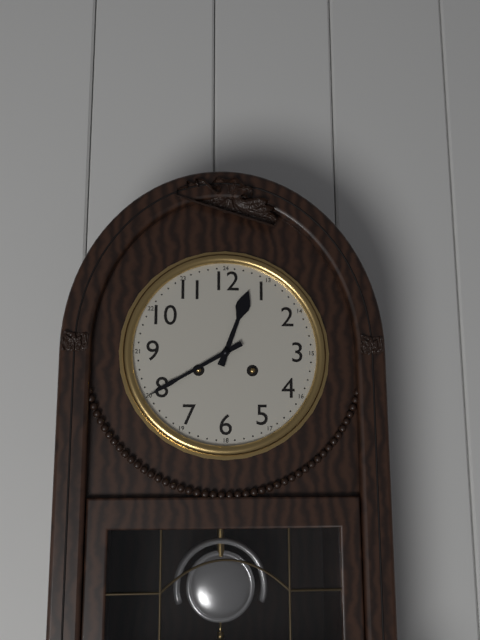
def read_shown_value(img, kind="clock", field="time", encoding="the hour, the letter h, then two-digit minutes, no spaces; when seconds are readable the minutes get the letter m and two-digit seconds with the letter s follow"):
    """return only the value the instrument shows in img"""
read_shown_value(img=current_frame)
12h40
